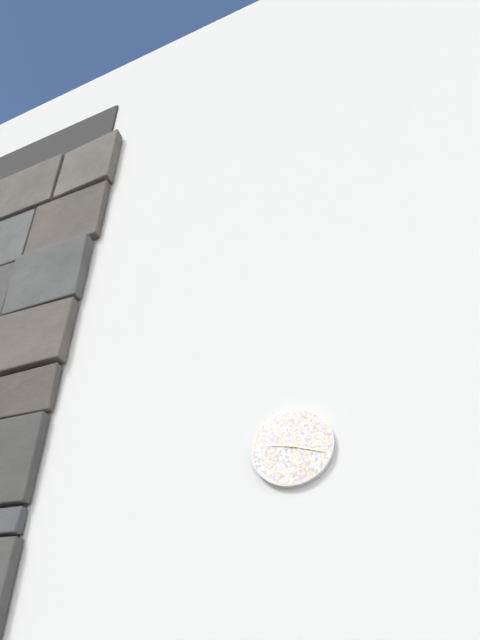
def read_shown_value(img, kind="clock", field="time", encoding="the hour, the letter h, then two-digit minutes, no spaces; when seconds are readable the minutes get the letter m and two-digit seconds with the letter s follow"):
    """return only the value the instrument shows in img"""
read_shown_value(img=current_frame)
9h18
